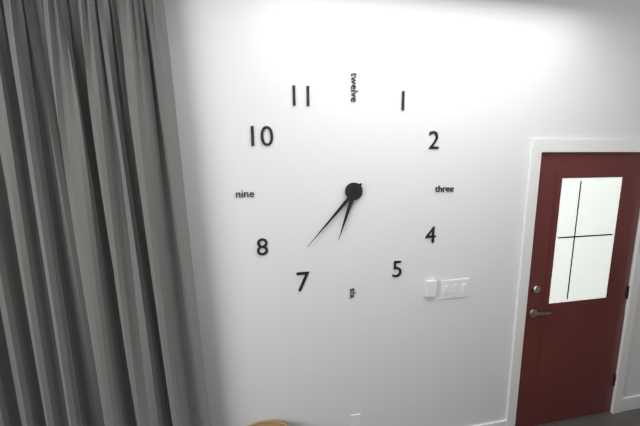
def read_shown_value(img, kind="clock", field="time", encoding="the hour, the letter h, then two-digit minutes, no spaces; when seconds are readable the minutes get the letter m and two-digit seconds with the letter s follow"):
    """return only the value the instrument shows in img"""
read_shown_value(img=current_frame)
6h37
